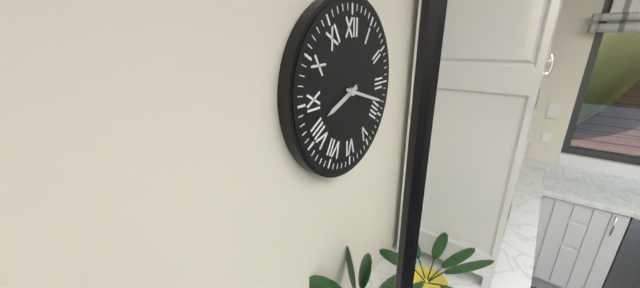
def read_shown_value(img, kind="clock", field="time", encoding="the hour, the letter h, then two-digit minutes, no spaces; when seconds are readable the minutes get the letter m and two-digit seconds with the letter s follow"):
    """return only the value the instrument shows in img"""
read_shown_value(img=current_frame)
8h18
